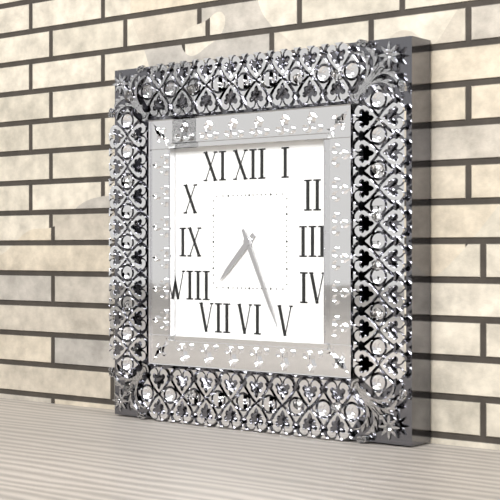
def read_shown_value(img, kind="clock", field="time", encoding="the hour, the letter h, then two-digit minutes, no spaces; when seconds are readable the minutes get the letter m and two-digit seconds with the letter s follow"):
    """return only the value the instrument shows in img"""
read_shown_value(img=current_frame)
7h26
